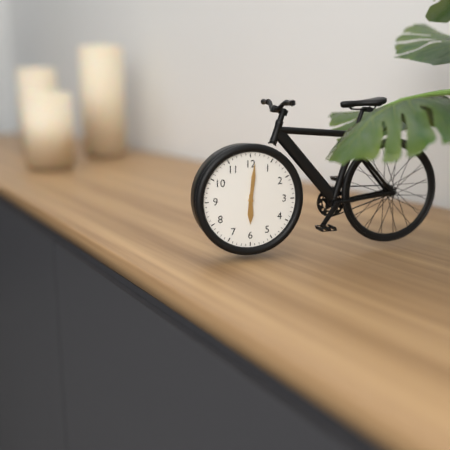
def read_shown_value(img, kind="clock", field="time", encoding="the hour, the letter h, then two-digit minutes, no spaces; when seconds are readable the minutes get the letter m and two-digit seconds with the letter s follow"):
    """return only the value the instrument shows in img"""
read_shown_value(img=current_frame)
6h01
